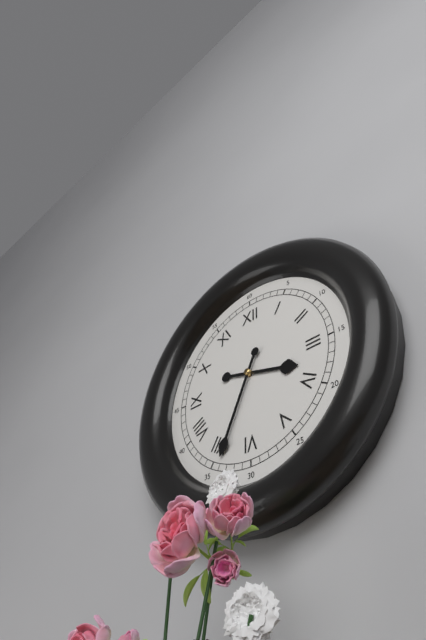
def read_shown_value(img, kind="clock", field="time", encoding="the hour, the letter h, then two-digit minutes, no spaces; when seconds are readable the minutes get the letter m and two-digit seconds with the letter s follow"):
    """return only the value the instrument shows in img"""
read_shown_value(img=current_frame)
3h34
